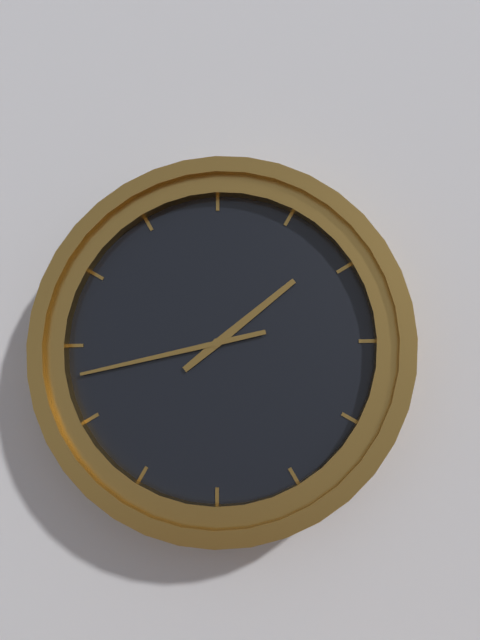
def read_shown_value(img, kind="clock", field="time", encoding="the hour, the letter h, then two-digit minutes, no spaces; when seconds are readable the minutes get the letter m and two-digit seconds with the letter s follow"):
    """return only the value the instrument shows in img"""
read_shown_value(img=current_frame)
1h43
